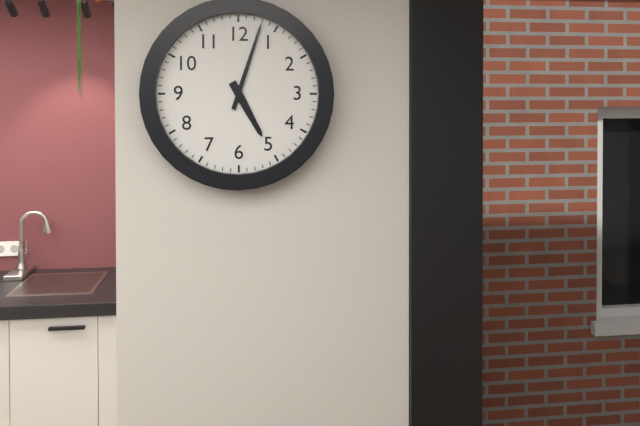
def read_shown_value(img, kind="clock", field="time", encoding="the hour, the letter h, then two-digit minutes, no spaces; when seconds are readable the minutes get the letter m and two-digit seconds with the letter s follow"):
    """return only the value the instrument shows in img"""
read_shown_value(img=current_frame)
5h03
